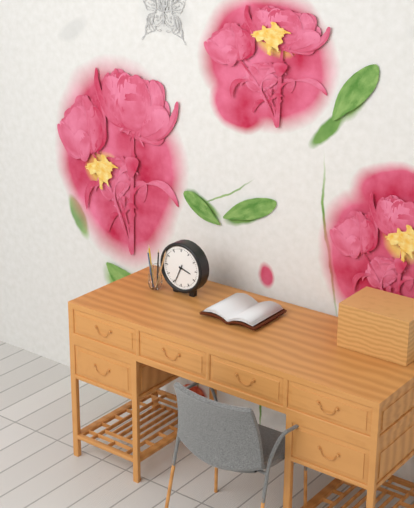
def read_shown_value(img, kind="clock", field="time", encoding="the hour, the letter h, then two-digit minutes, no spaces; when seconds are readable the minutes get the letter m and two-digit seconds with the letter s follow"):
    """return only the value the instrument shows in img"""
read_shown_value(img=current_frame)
3h34
